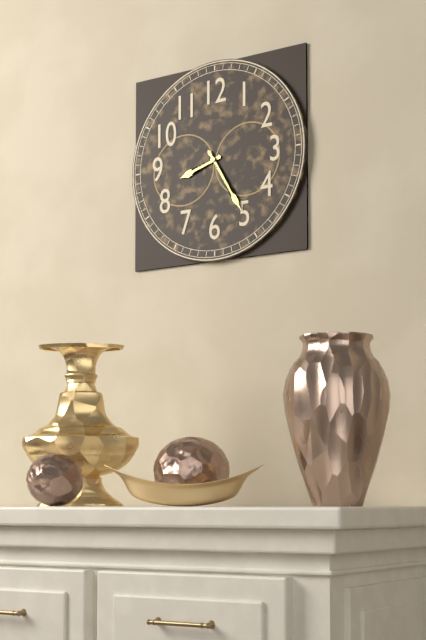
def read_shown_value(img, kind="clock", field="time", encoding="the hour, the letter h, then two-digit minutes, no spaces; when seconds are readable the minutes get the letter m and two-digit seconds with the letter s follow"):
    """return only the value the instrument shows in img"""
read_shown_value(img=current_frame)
8h25
